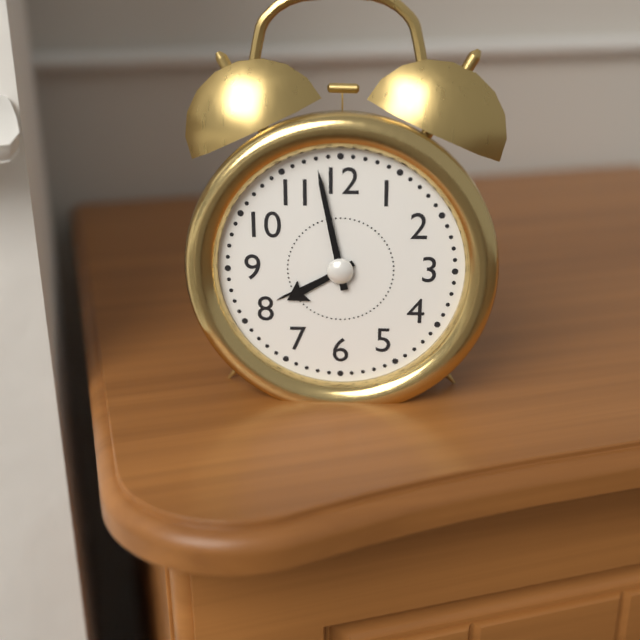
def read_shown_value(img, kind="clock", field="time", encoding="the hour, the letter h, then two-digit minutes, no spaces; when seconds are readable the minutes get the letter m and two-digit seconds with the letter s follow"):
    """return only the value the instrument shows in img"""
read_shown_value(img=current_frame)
7h58
